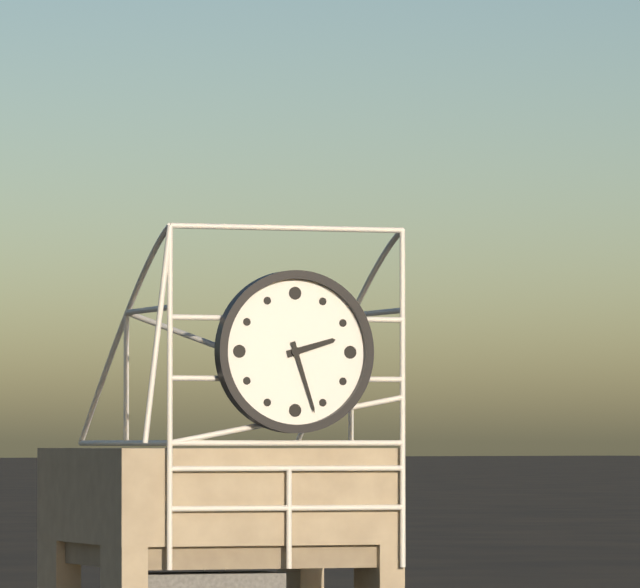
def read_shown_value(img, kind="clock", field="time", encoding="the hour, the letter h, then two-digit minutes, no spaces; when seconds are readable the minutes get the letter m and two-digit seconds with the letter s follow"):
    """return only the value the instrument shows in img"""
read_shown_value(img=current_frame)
2h27
